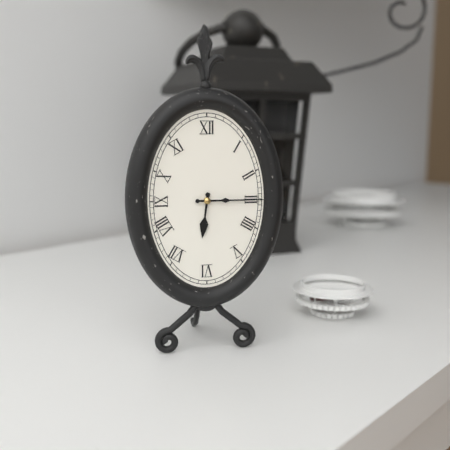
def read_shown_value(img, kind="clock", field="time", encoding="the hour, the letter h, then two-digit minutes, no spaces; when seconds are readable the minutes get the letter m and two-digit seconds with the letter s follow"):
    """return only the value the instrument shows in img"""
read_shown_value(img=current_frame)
6h15
